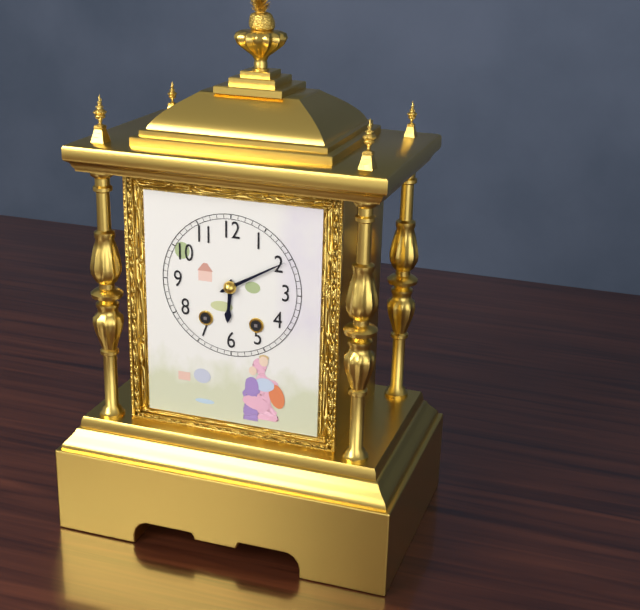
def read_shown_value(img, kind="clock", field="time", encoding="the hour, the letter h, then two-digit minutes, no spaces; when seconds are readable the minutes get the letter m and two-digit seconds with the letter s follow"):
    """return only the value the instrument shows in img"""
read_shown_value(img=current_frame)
6h10
